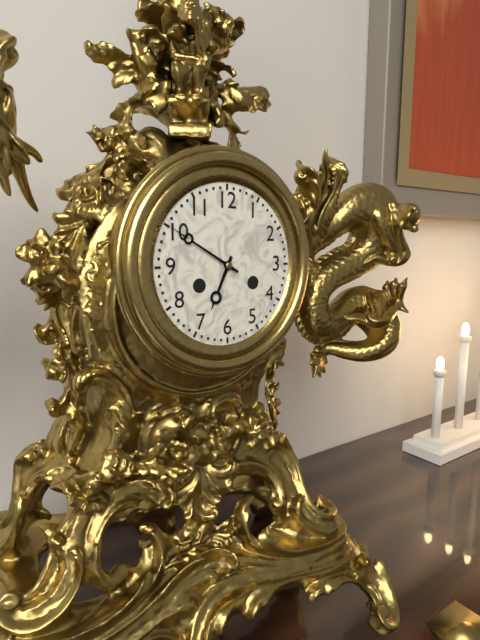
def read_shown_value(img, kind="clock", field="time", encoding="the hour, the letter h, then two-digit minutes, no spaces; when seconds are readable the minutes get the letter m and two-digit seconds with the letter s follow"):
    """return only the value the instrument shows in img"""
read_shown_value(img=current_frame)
6h50
